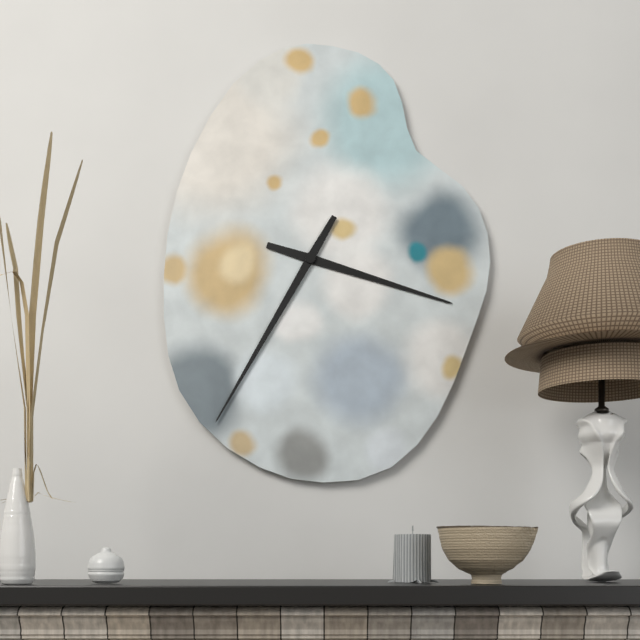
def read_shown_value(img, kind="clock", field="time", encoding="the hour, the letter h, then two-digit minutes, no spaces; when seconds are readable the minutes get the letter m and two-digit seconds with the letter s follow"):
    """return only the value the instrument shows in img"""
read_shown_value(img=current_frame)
3h35
